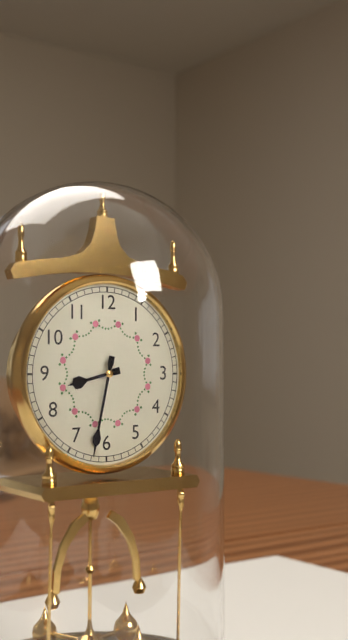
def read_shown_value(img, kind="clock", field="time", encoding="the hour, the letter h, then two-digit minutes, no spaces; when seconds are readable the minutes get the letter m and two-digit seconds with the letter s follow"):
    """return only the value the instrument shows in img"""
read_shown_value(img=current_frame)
8h32
